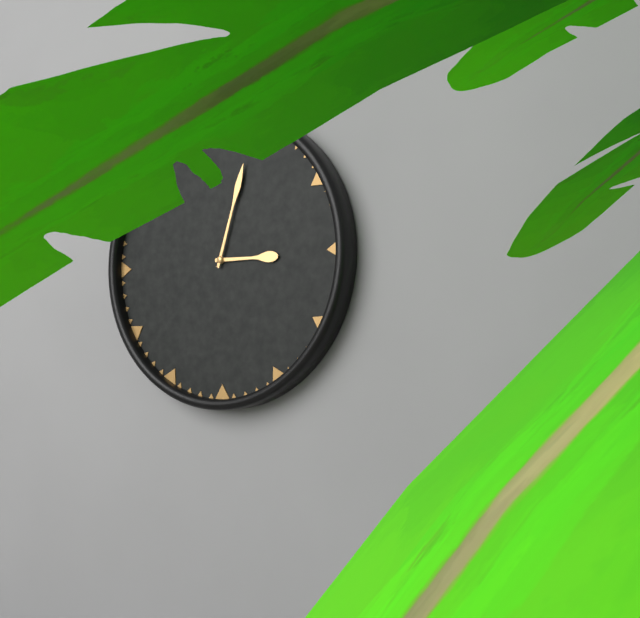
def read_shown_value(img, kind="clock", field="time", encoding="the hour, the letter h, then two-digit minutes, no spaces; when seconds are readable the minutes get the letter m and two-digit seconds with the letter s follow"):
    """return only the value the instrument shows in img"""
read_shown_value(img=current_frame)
3h03
